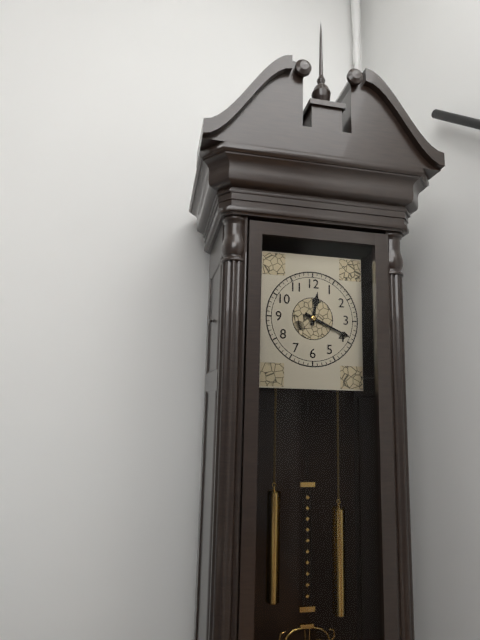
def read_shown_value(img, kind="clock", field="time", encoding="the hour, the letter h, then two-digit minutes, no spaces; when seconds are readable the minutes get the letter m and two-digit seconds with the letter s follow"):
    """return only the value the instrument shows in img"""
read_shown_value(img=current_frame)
12h19
